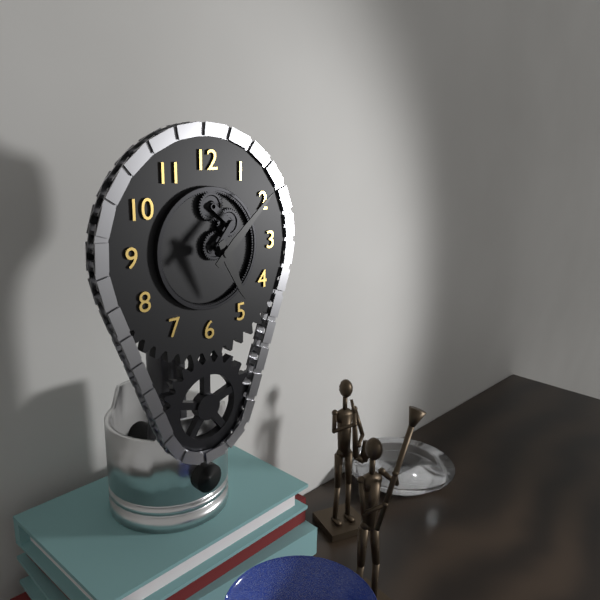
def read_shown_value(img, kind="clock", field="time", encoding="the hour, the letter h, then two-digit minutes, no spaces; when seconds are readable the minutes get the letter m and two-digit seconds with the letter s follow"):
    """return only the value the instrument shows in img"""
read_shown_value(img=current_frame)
5h08
